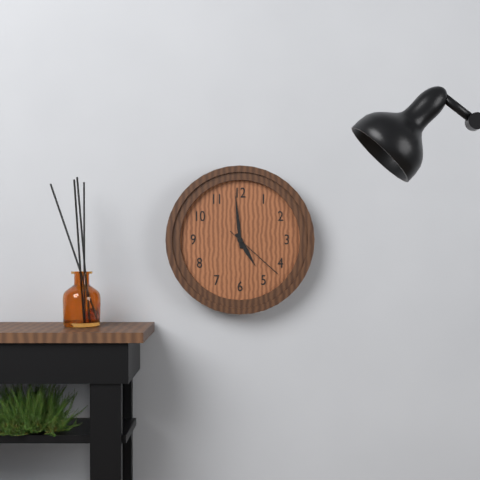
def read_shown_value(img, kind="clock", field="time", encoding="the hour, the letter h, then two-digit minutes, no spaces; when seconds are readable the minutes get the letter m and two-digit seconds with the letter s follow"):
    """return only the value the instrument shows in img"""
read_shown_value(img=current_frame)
4h59m22s
